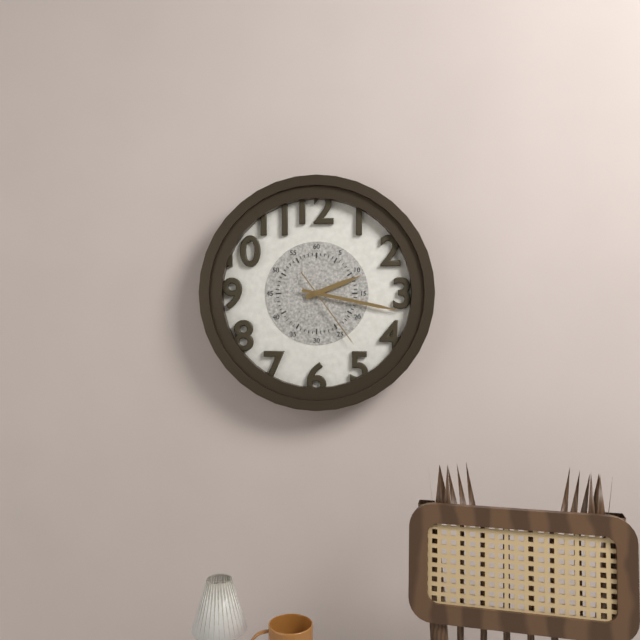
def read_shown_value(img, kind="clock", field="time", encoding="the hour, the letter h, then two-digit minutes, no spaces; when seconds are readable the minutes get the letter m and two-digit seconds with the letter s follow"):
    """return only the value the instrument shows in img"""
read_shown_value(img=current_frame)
2h17m24s
